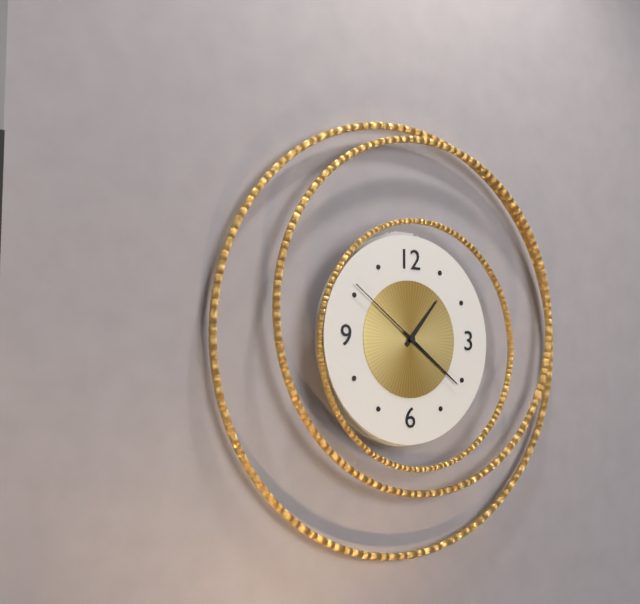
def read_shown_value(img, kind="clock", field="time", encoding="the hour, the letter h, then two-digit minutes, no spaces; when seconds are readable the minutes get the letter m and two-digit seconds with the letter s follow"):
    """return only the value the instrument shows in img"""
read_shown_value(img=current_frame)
1h21m51s
